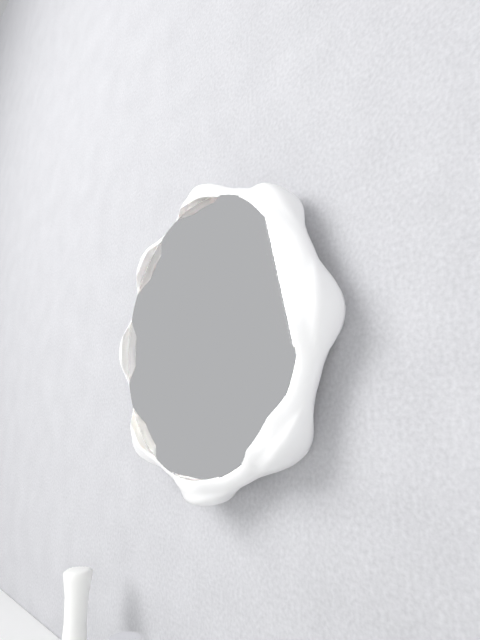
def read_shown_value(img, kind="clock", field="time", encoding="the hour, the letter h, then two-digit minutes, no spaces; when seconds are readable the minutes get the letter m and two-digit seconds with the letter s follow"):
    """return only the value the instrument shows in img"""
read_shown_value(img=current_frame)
1h12m50s
